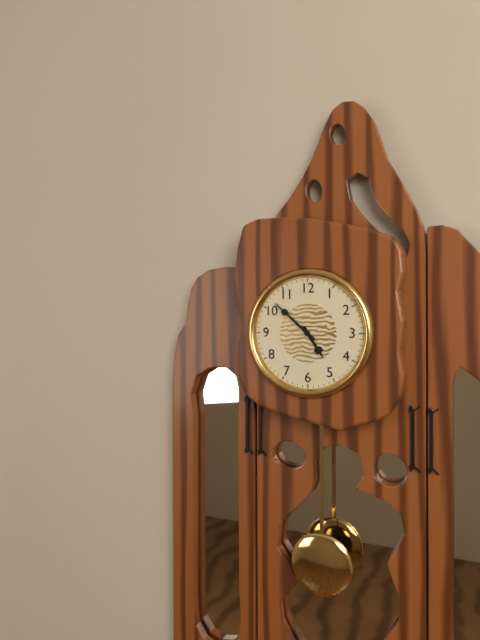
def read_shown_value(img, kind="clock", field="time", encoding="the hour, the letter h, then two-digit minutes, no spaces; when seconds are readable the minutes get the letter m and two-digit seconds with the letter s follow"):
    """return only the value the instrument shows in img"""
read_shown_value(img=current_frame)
4h52
